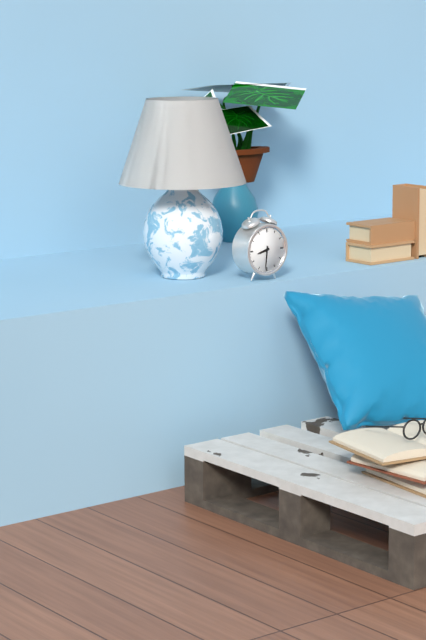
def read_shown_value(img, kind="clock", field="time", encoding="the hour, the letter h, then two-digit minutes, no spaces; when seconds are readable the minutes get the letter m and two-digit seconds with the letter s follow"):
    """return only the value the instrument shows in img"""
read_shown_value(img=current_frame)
8h31
